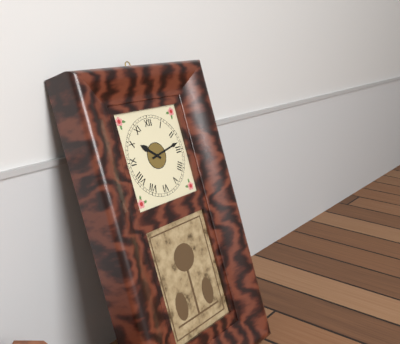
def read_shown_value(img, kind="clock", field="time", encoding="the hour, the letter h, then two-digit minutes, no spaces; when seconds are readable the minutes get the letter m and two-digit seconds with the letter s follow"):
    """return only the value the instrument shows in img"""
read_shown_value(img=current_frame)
10h13
